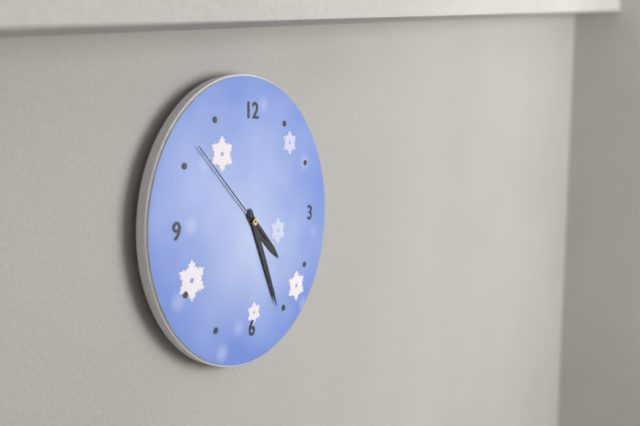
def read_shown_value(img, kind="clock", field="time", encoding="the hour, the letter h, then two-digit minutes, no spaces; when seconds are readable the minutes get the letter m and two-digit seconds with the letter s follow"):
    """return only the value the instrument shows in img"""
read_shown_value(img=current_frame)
4h26m52s
